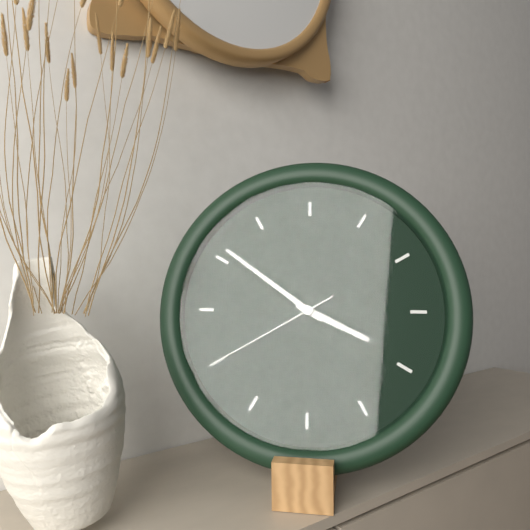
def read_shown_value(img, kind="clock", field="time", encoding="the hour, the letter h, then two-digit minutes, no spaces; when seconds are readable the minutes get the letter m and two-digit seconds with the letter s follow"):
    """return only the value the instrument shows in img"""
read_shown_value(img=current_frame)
3h51m40s
